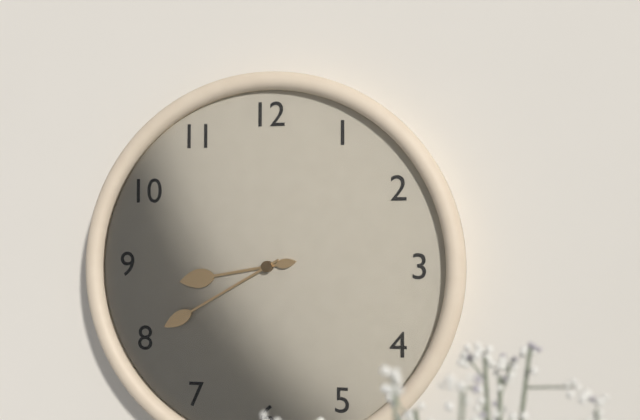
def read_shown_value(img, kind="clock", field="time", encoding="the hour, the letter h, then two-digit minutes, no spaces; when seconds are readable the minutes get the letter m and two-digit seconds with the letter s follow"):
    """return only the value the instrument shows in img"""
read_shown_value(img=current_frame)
8h40
